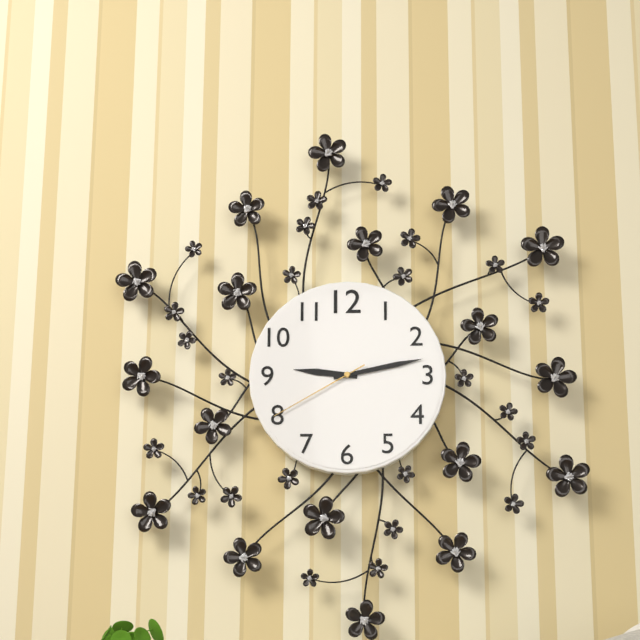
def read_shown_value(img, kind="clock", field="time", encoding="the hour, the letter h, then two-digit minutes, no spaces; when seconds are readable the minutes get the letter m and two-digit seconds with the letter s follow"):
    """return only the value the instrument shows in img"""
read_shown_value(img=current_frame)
9h13m40s
